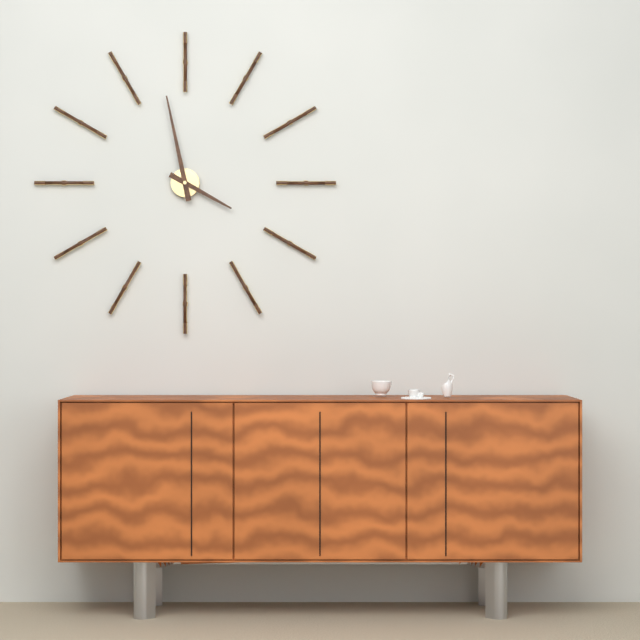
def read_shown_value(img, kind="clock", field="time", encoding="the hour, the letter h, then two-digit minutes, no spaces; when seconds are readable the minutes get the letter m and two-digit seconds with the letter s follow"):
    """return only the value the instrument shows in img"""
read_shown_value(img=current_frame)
3h58
